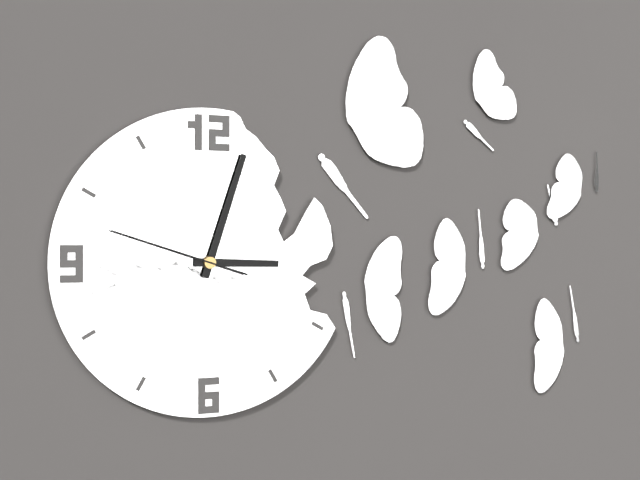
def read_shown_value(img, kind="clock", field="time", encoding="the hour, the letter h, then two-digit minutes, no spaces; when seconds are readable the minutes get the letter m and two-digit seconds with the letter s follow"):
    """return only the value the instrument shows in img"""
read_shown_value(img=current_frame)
3h03m48s
